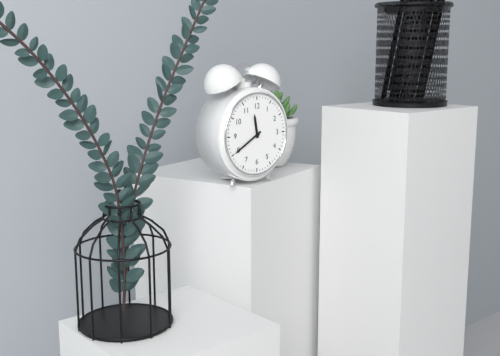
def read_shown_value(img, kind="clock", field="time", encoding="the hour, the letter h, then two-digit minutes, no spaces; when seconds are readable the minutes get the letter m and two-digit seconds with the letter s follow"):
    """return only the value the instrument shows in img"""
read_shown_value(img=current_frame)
11h40
